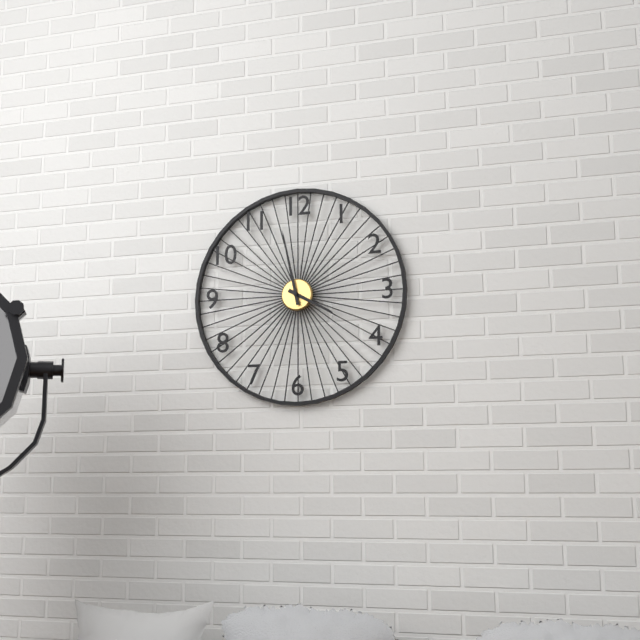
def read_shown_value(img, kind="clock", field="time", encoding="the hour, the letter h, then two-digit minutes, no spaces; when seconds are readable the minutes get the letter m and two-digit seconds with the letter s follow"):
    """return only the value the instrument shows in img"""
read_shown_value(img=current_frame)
3h58
